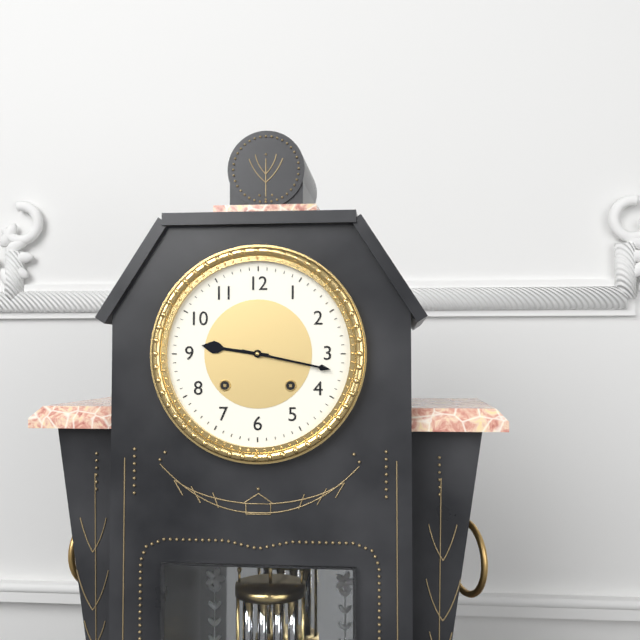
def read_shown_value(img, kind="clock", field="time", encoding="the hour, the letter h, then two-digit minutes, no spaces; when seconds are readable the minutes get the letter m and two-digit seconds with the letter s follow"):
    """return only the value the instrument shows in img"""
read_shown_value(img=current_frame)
9h17
